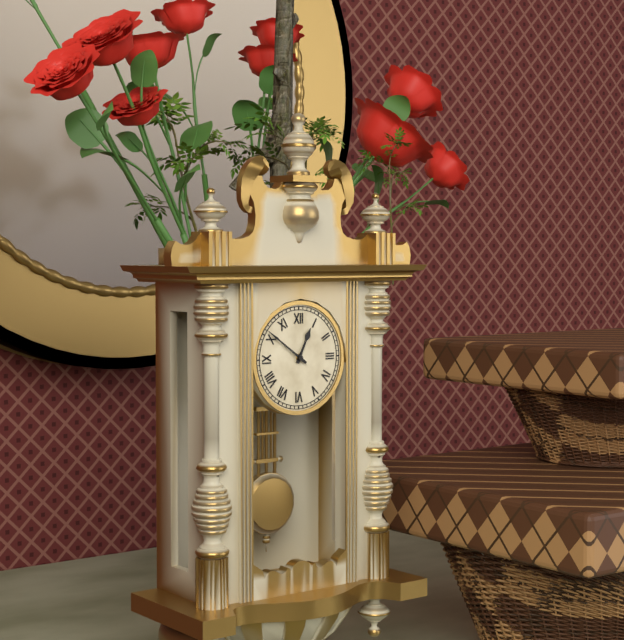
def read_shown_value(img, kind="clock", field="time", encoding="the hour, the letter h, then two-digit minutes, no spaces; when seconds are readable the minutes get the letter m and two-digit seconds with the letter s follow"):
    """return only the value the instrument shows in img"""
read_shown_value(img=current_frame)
12h51
